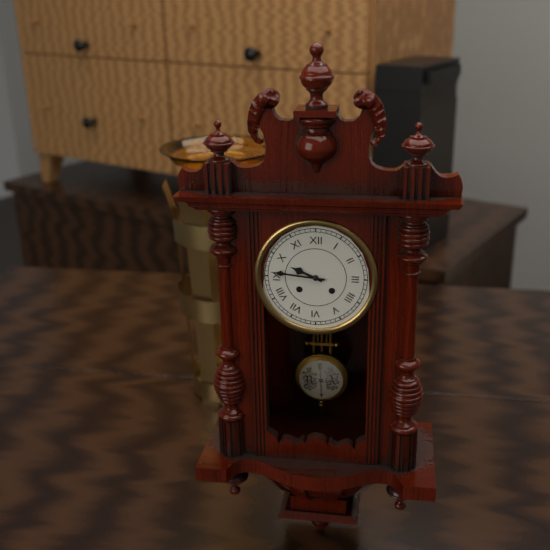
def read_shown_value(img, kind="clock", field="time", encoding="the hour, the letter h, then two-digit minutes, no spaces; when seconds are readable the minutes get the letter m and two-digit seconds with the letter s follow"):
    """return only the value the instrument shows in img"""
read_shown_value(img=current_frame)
9h46
